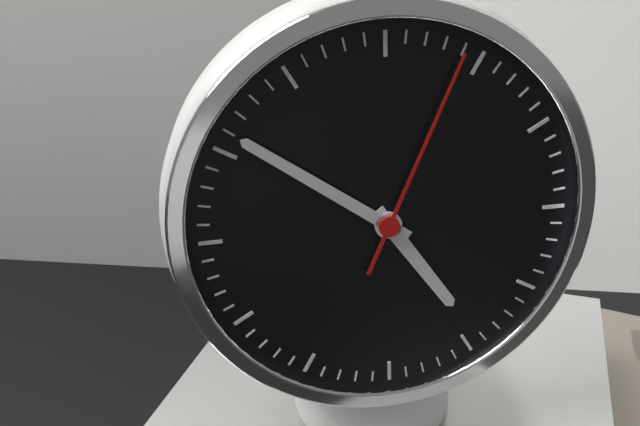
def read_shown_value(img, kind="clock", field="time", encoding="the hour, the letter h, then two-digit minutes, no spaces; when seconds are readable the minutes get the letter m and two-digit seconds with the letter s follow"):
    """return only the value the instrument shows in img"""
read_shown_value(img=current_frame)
4h51m04s
